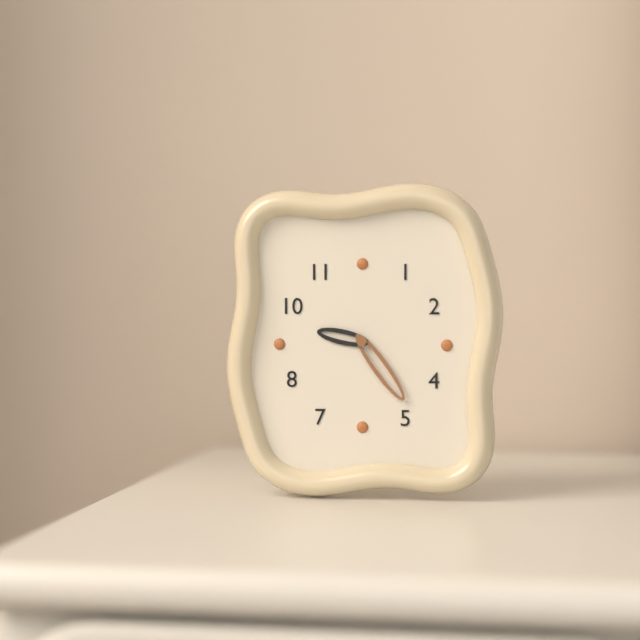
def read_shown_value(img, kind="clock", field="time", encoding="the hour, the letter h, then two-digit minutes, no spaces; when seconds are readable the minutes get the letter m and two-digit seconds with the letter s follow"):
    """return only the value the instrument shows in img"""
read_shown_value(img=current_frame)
9h24
